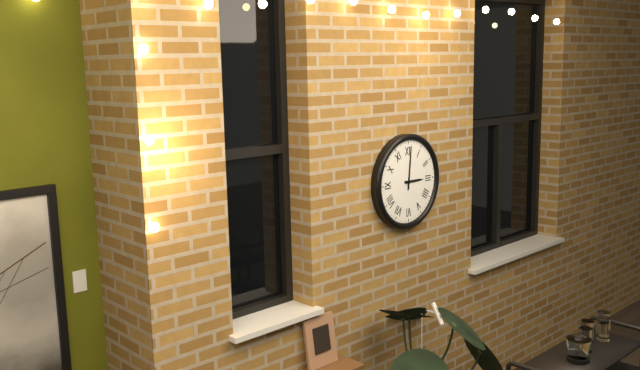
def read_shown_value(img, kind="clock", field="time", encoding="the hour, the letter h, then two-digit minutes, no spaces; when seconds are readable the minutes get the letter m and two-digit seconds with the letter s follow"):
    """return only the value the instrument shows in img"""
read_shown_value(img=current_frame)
3h01
